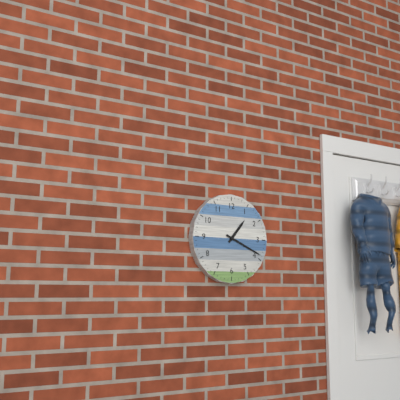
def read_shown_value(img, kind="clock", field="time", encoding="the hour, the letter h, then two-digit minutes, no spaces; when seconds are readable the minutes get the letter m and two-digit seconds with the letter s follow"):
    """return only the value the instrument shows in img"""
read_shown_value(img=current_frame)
1h19
